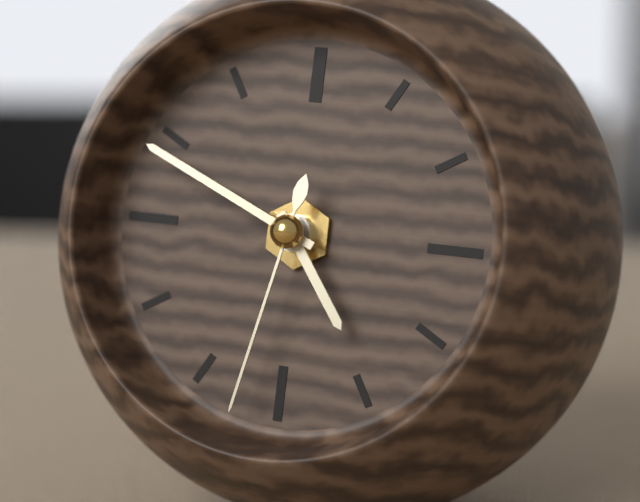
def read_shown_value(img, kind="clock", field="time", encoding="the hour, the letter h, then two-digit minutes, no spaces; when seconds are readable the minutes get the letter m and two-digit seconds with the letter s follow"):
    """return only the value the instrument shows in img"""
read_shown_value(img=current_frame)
4h49m32s
